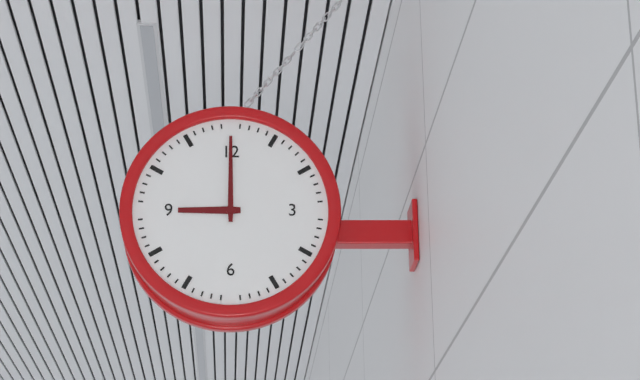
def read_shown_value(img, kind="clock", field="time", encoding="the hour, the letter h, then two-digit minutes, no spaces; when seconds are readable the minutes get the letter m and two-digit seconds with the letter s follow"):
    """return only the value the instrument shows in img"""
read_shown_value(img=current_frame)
9h00
